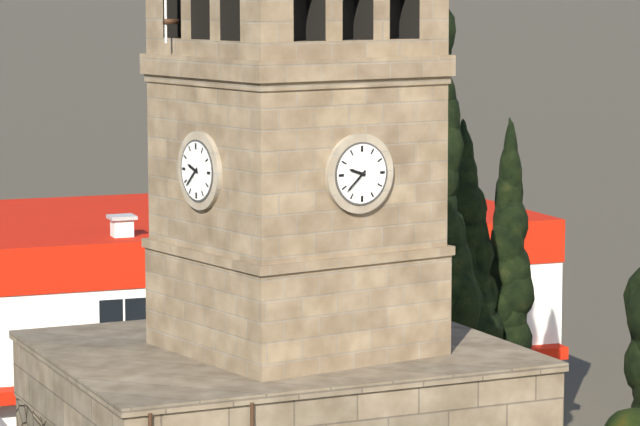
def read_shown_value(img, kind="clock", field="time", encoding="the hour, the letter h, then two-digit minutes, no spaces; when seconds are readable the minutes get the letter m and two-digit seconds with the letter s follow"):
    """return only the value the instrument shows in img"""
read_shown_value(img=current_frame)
9h38
